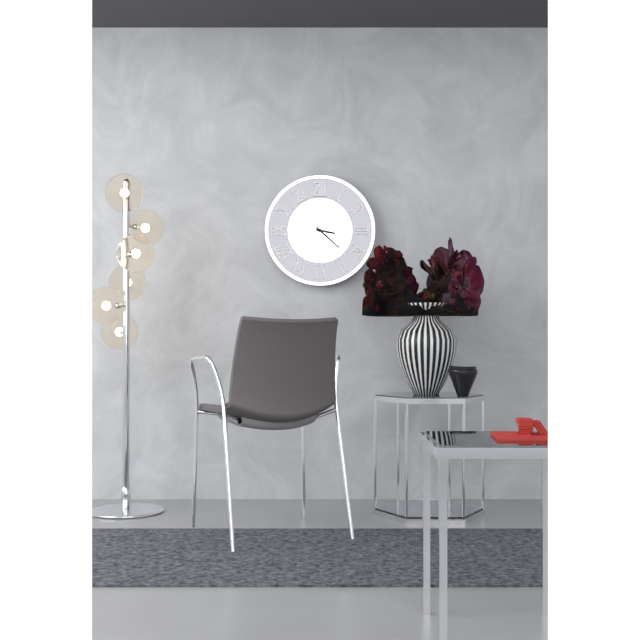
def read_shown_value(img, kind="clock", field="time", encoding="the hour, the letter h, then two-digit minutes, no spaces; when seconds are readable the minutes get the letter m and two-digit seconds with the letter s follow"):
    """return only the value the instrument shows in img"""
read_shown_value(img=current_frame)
3h22
